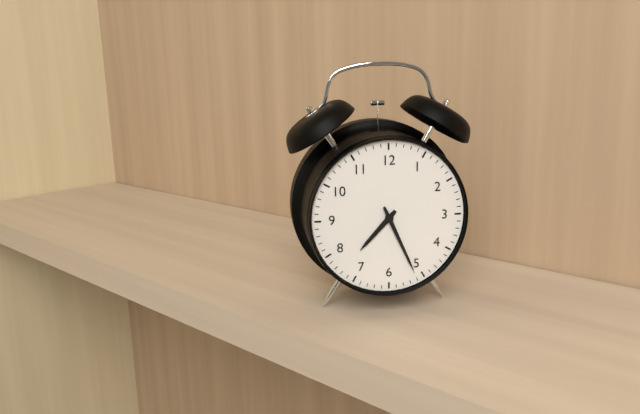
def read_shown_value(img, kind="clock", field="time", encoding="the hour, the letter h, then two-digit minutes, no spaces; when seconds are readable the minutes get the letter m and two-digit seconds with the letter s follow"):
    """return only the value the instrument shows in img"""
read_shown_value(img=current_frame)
7h26
